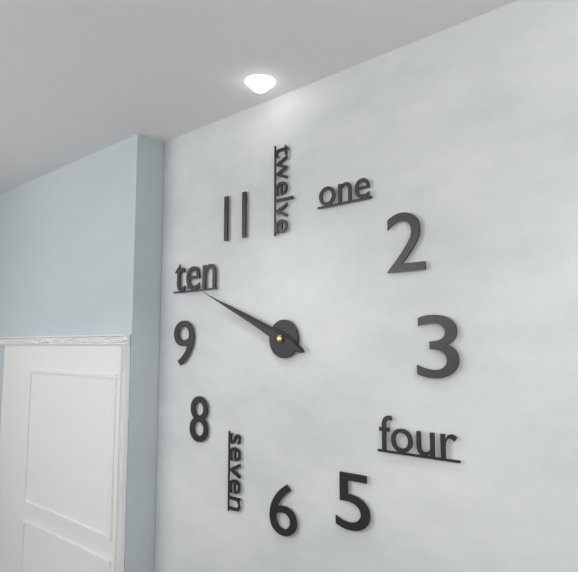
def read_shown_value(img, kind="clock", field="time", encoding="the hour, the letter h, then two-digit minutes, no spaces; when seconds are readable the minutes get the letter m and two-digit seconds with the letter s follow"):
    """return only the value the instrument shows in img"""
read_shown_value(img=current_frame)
9h49
